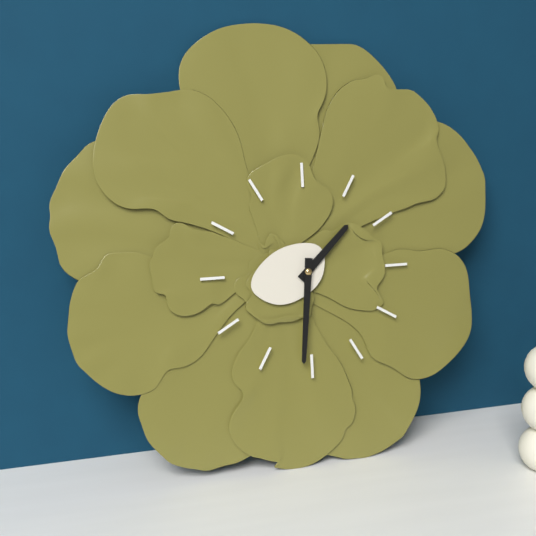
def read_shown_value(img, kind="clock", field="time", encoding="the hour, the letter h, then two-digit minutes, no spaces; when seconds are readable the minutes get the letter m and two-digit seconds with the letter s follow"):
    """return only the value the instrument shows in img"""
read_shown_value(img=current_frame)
1h31
